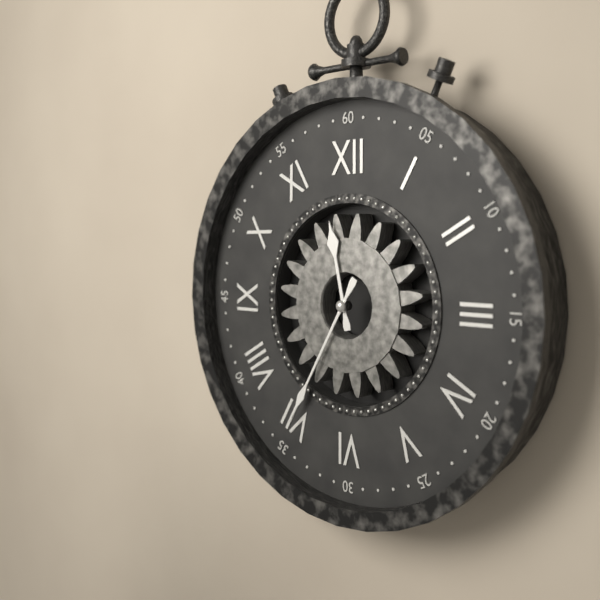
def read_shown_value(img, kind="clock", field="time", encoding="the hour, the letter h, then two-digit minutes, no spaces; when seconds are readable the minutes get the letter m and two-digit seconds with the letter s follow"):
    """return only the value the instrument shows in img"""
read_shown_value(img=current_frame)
11h35
